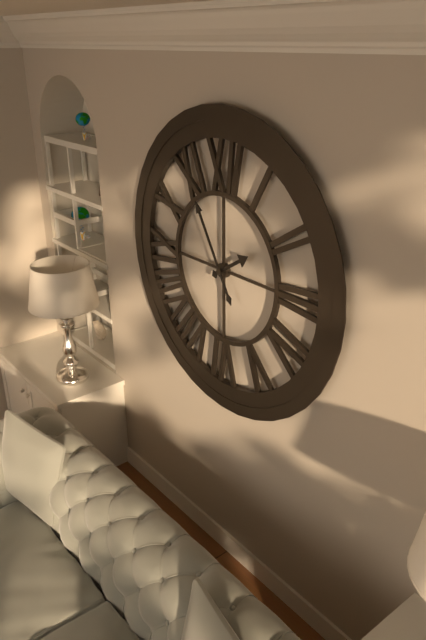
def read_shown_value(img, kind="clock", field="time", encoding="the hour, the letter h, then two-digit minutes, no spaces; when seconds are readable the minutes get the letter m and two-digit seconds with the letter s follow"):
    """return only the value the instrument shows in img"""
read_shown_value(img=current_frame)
1h55
